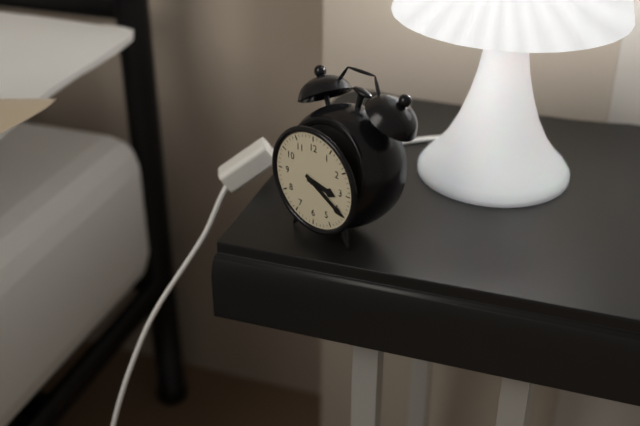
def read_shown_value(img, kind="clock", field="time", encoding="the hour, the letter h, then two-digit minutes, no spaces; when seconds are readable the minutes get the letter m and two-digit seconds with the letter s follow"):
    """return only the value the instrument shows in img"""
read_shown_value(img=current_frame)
3h20
